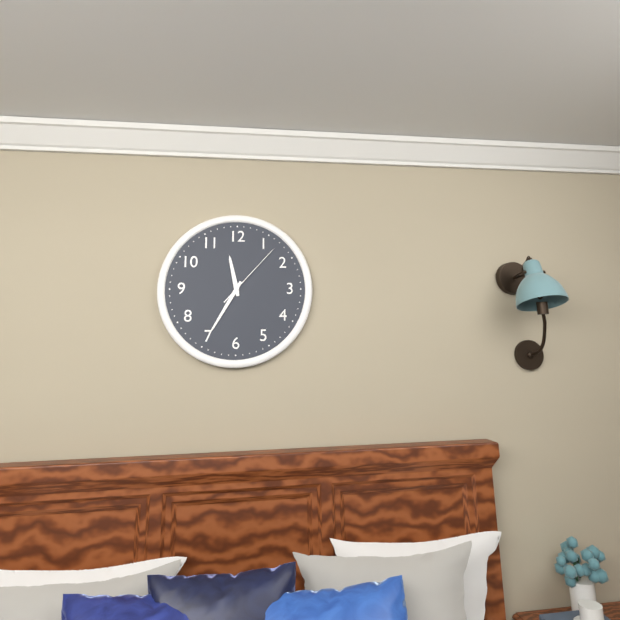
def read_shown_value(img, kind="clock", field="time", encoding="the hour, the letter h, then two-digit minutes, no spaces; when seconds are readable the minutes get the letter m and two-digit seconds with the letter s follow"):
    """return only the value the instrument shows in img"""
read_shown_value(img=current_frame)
11h35m07s
